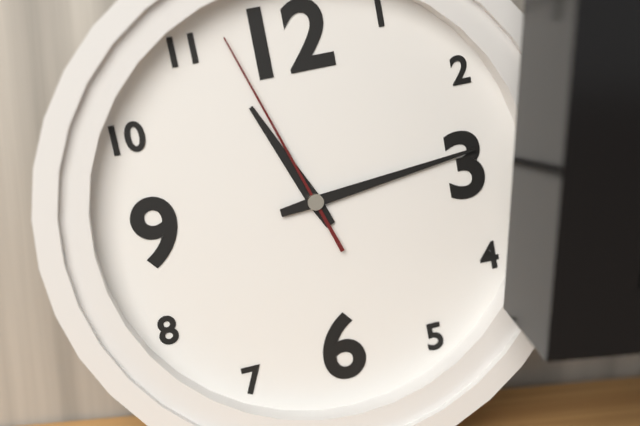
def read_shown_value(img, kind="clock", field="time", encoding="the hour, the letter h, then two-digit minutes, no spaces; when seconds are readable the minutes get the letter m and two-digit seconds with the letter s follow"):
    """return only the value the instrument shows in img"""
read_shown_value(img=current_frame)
11h14m57s
